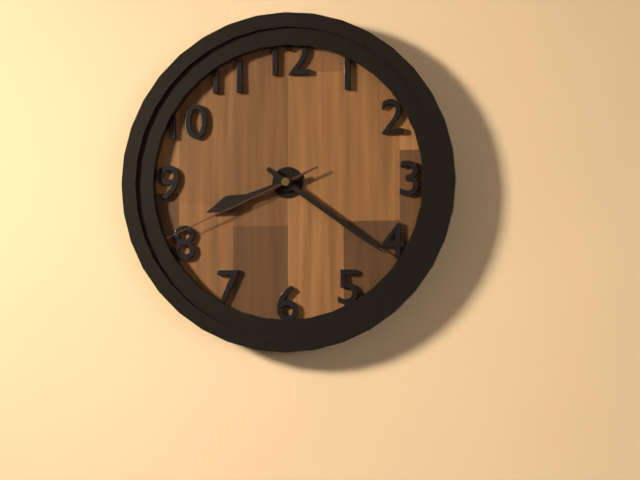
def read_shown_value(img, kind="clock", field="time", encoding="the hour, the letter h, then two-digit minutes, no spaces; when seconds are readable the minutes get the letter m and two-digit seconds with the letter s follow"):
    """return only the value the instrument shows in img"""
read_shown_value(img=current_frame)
8h21m41s
